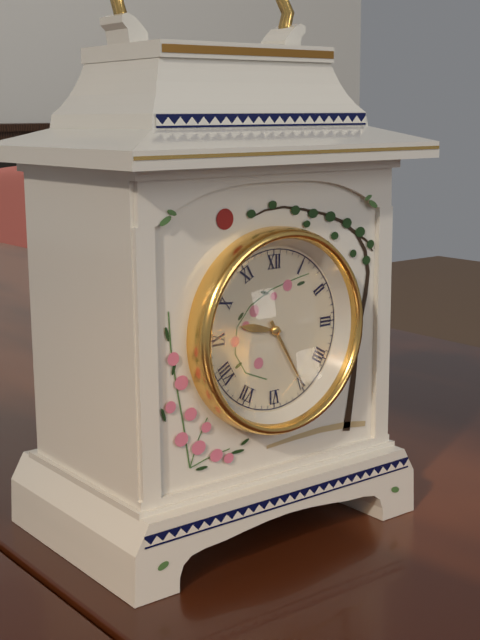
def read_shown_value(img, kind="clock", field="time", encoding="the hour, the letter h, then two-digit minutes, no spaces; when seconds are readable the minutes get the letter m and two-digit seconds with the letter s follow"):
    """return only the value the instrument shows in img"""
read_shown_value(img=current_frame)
9h25
